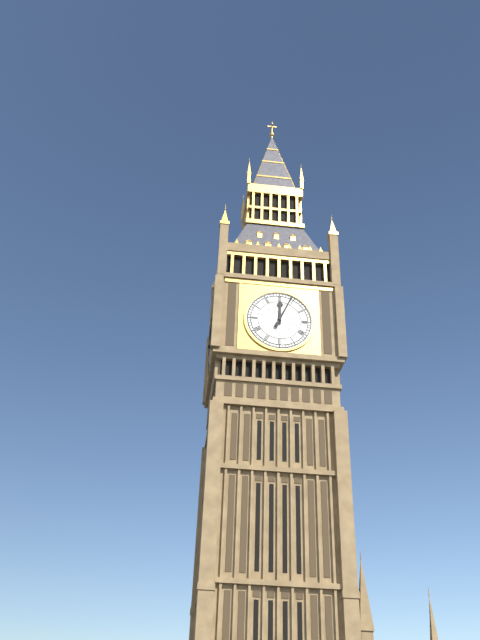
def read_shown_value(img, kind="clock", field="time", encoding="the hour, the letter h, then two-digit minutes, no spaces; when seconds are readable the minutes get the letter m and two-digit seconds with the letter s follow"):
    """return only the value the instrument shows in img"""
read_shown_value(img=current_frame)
12h04
